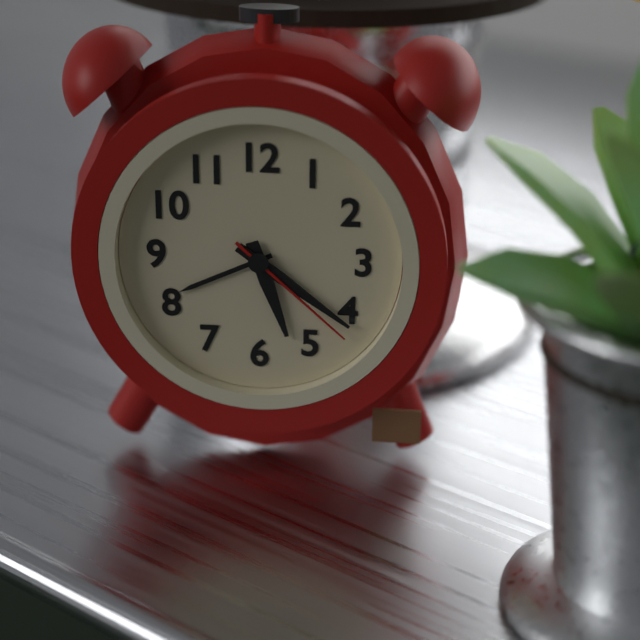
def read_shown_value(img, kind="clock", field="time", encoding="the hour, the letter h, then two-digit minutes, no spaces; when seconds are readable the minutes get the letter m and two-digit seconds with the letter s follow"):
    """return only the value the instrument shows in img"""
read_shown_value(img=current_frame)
5h21m22s
